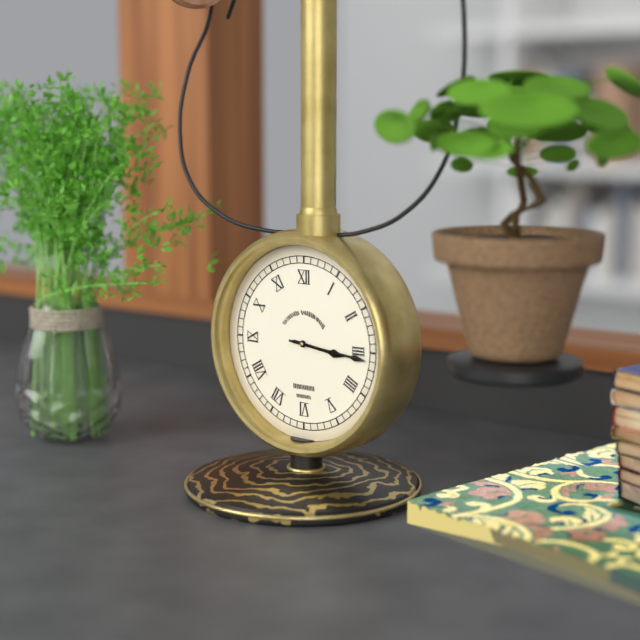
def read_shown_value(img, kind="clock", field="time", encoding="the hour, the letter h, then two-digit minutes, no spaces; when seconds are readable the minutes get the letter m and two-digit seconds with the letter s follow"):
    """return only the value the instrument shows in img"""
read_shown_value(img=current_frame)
3h16
